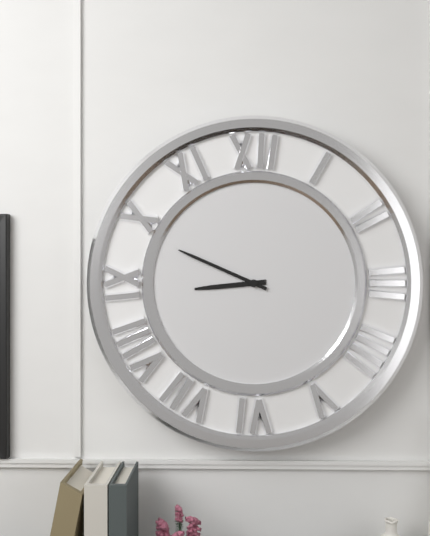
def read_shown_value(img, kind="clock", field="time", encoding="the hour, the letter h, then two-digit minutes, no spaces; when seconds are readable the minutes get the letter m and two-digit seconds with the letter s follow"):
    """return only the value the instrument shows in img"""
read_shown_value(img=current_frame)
8h49
